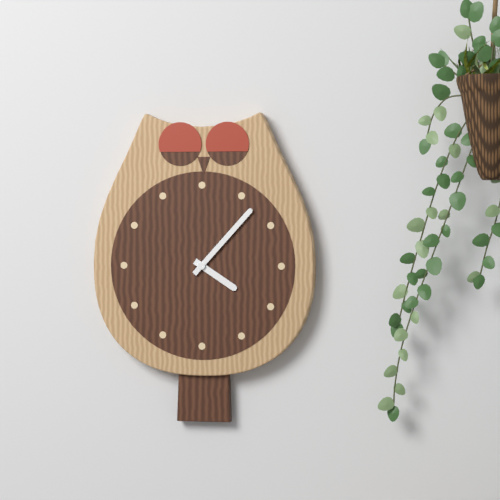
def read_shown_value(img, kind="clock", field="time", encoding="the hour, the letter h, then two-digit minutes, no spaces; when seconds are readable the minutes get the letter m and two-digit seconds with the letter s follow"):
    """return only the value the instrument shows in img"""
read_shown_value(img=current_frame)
4h07
